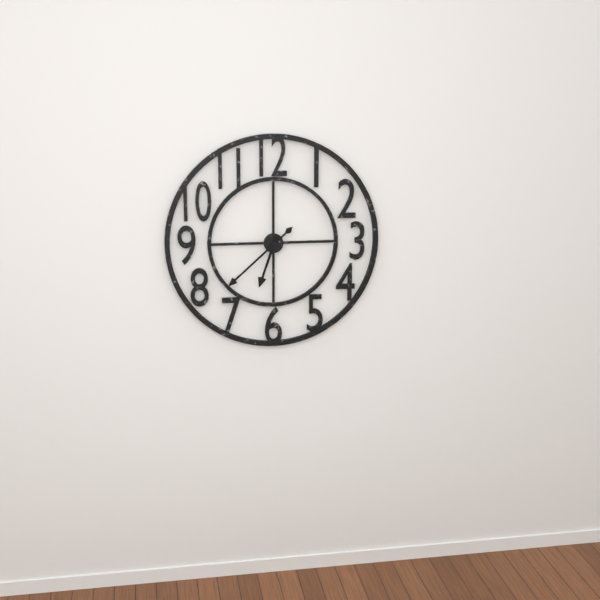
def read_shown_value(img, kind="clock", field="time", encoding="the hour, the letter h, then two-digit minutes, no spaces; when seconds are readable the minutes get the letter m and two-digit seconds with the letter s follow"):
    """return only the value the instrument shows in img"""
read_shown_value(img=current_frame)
6h38
